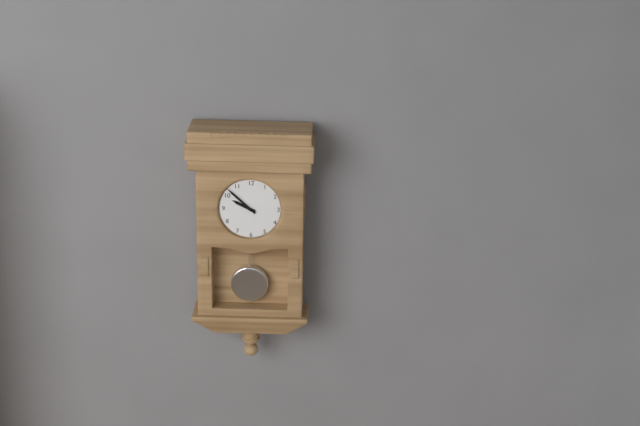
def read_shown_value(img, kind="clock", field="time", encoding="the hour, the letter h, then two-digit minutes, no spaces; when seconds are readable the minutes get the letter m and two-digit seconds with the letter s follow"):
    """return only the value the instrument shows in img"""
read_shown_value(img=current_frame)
9h52
